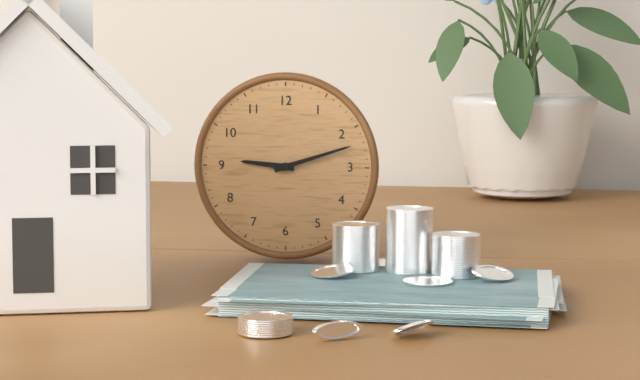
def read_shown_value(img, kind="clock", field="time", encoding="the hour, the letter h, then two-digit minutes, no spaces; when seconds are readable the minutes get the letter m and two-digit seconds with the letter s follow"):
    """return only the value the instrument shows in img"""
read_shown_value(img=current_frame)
9h12
